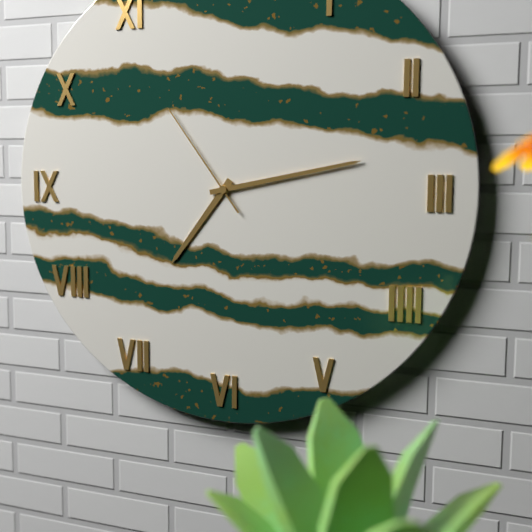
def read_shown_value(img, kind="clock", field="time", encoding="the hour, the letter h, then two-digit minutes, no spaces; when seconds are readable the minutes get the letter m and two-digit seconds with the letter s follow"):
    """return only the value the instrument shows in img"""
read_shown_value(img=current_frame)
7h13m54s
